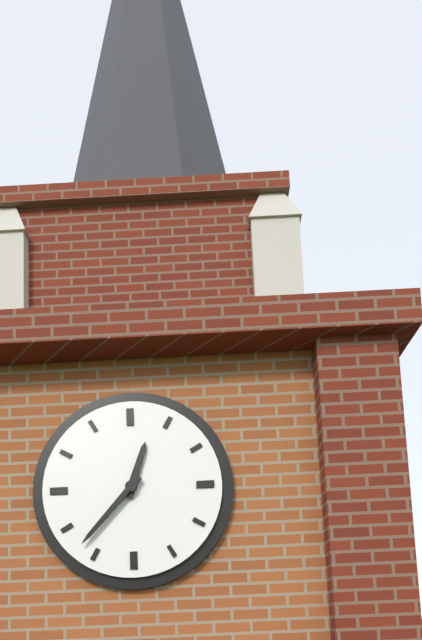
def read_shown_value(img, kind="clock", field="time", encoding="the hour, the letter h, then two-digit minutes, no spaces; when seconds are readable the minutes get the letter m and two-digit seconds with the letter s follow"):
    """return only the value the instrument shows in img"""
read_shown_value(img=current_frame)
12h37
